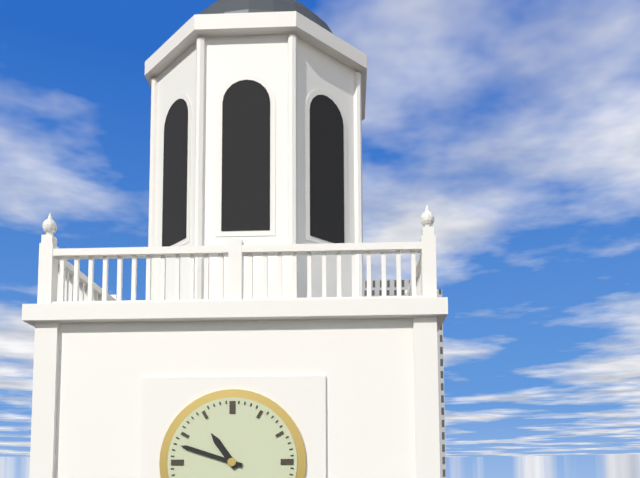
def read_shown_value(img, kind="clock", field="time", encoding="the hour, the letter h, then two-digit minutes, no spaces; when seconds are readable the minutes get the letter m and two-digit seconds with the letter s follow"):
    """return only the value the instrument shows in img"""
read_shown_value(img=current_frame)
10h48
